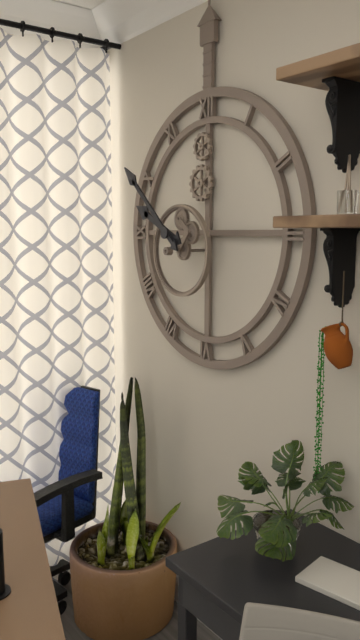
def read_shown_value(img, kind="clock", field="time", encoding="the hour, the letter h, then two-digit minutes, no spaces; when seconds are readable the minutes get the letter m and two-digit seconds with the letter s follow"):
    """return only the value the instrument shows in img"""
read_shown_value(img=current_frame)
9h52
